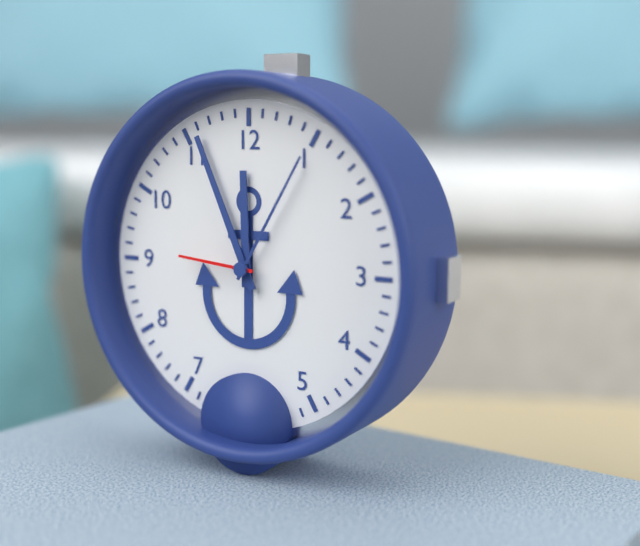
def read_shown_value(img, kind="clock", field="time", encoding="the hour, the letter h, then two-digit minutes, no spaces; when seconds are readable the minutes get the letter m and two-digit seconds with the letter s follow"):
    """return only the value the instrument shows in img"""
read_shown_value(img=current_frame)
11h56m46s
